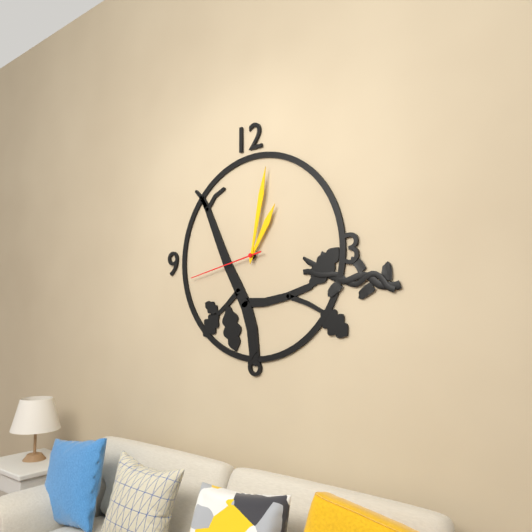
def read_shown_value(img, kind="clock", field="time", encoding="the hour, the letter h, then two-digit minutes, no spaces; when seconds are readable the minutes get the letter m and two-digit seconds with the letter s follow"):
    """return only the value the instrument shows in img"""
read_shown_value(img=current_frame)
1h02m43s
